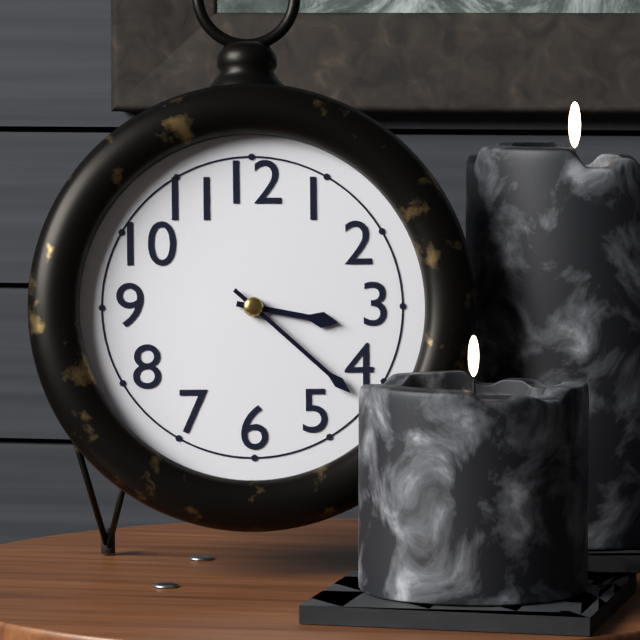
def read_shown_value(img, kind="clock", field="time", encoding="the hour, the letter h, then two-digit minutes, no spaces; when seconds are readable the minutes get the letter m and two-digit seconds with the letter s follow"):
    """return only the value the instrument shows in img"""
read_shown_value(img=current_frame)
3h22
